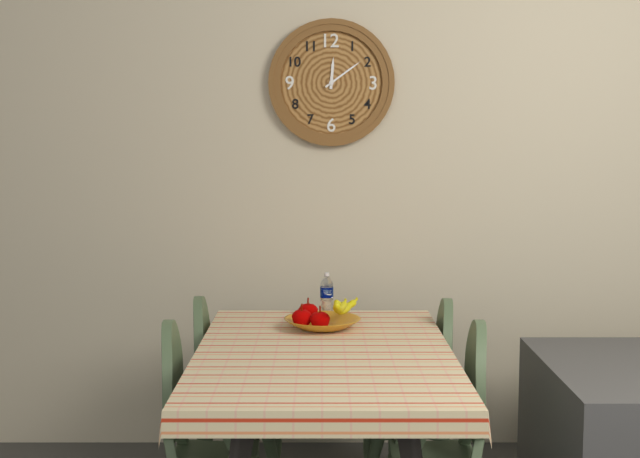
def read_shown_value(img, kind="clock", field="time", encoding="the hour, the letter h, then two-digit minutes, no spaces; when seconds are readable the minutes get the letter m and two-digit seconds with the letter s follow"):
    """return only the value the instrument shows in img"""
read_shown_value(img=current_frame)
12h09
